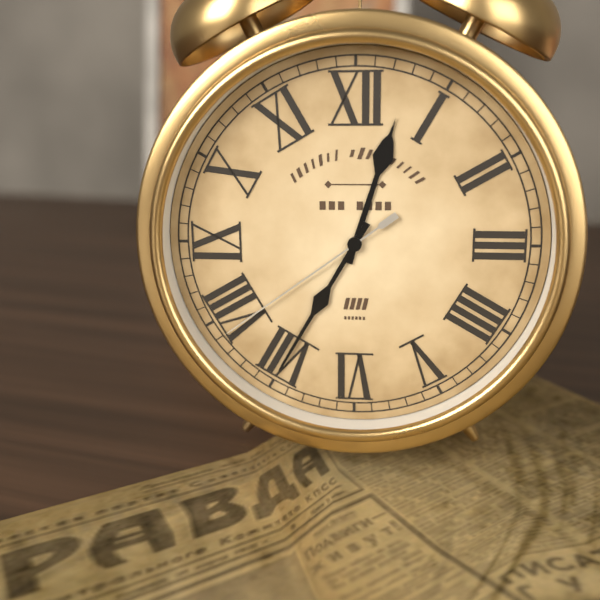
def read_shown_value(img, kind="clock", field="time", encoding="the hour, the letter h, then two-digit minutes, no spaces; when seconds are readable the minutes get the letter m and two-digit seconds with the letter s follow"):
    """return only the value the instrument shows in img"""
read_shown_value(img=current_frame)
12h35m39s
